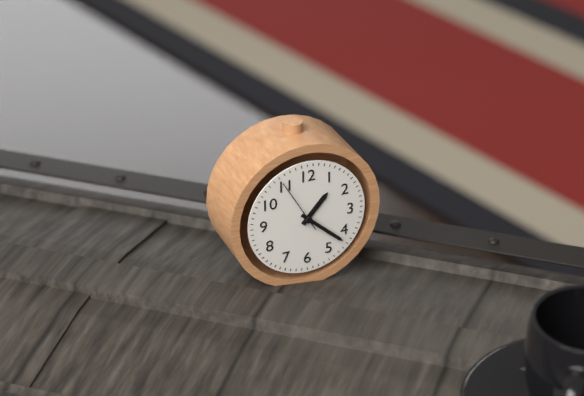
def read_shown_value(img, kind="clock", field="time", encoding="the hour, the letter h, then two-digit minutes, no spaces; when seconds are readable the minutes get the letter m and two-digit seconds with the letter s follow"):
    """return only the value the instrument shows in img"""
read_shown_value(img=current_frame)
1h22m55s
